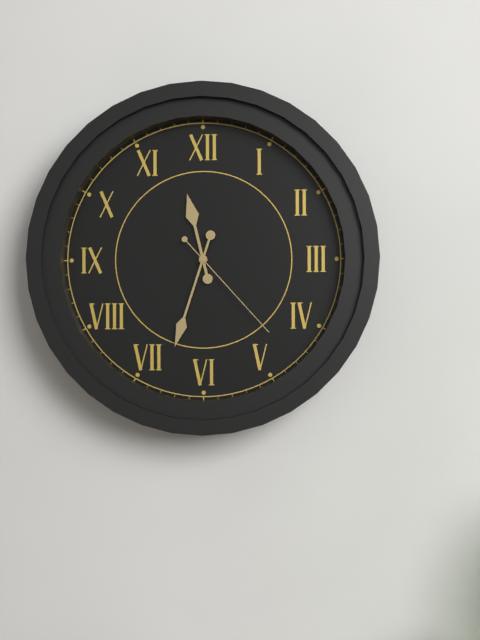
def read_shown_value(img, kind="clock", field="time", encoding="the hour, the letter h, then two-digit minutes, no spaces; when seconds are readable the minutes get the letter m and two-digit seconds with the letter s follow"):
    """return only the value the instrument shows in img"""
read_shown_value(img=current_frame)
11h33m23s
